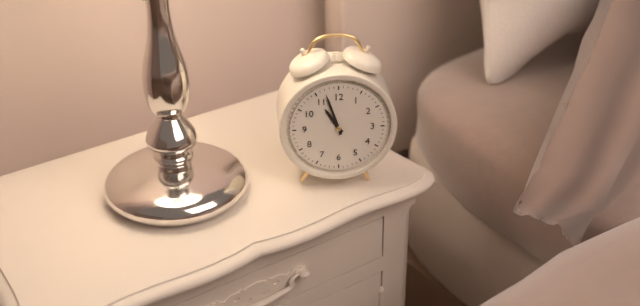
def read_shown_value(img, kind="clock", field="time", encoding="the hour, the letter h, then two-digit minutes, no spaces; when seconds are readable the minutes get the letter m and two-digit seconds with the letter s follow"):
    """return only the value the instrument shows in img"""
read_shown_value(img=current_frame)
10h57
